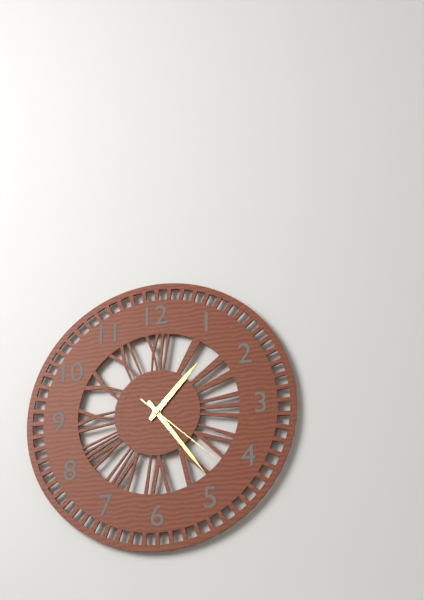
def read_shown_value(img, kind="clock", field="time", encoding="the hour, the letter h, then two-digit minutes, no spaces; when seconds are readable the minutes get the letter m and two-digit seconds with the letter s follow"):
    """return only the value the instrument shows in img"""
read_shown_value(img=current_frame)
1h24m22s
